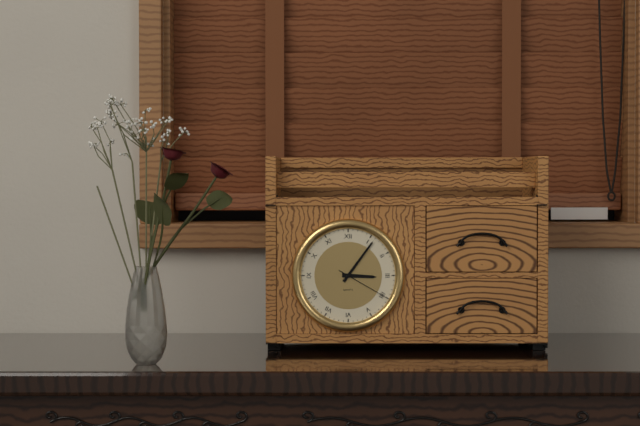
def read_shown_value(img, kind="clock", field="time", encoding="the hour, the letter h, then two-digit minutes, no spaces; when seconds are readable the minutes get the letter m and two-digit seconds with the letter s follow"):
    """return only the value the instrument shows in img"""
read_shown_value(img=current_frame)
3h06m20s
